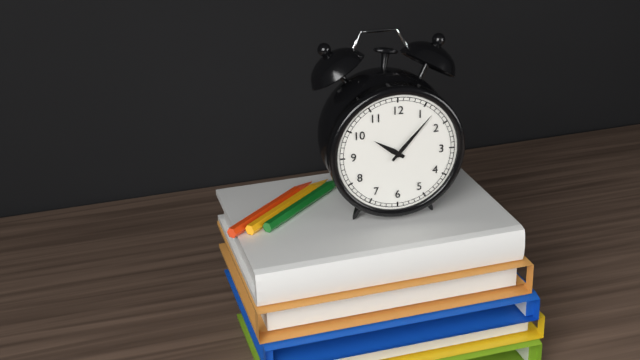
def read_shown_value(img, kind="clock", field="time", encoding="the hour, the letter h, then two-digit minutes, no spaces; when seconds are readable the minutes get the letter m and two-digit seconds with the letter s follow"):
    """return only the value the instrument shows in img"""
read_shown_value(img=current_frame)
10h07
